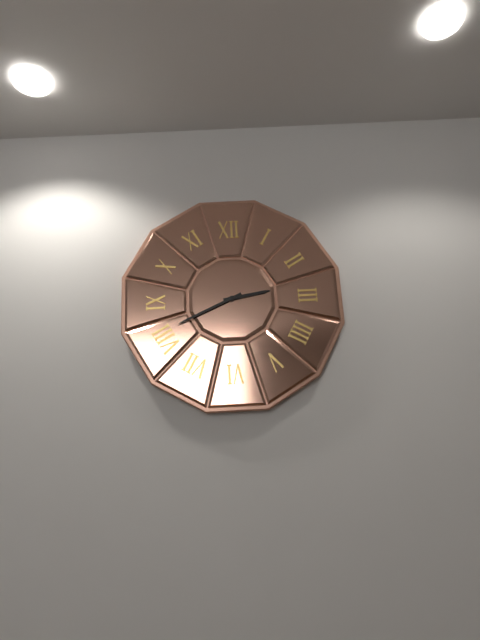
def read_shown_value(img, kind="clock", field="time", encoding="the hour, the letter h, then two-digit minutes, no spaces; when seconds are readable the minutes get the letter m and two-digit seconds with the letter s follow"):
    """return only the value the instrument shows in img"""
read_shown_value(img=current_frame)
2h41
